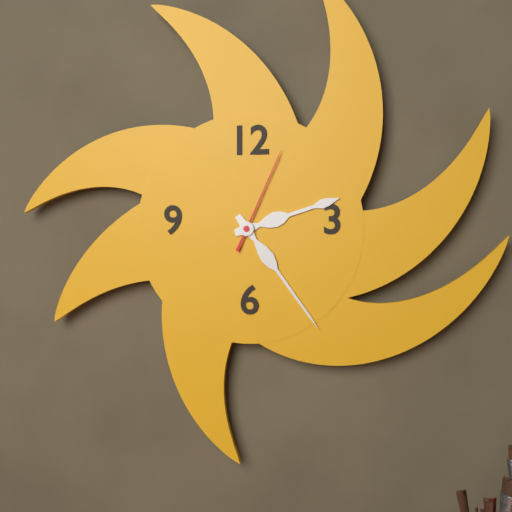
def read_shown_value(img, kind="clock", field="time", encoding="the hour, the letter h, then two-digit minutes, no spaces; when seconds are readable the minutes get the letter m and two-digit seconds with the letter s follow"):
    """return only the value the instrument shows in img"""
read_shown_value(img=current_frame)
2h24m04s
